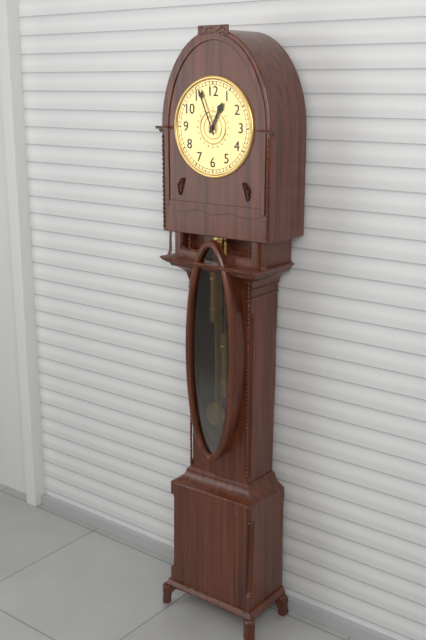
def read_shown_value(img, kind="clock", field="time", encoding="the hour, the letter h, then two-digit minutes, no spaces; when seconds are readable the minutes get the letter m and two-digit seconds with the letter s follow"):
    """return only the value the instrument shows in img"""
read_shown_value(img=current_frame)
12h56
